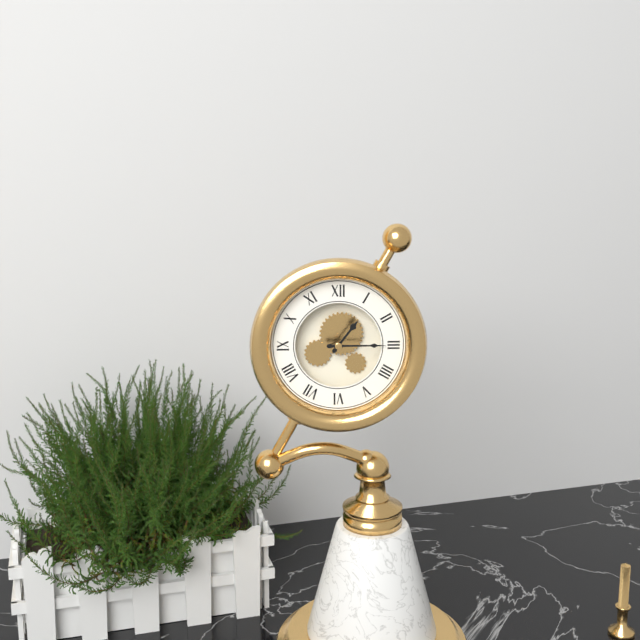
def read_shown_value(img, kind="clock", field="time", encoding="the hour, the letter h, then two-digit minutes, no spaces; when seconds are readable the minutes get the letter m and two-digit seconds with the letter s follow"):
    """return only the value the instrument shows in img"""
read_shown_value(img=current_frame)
1h15
